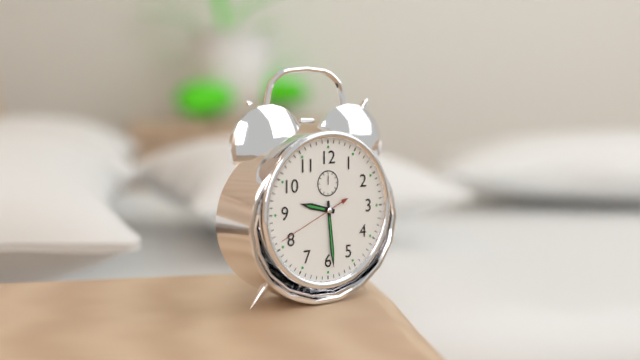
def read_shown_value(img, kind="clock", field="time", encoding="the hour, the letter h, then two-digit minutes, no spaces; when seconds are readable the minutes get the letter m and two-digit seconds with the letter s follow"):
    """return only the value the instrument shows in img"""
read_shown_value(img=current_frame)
9h29m41s
